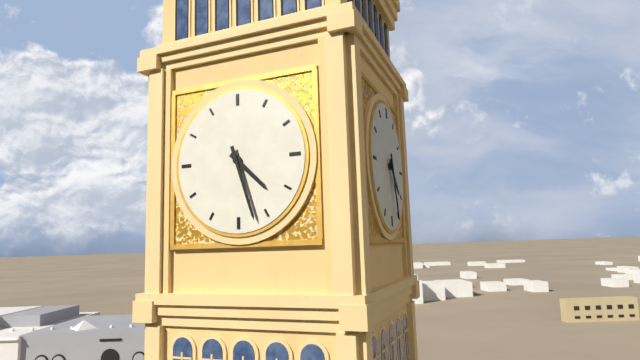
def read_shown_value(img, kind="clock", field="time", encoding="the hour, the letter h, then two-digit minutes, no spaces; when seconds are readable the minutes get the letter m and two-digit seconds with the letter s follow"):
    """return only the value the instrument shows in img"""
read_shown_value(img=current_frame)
4h27
